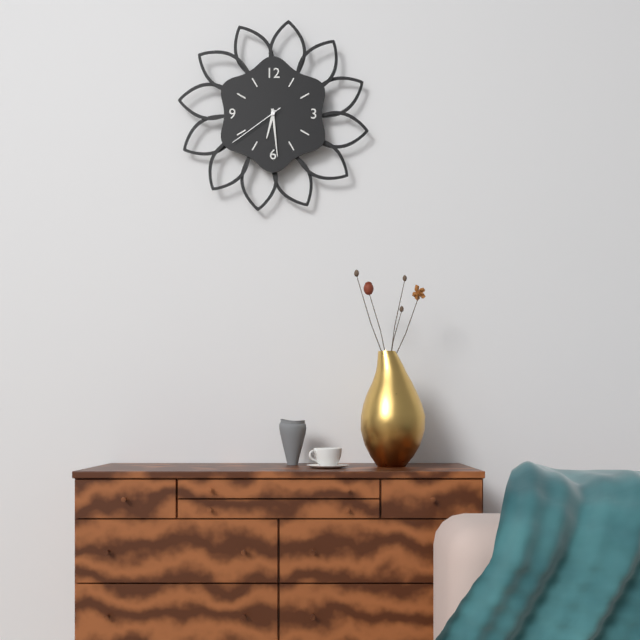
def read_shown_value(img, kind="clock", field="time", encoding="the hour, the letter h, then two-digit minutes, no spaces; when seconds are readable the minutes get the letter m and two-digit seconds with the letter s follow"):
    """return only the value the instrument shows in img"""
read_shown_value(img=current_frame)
6h29m39s
